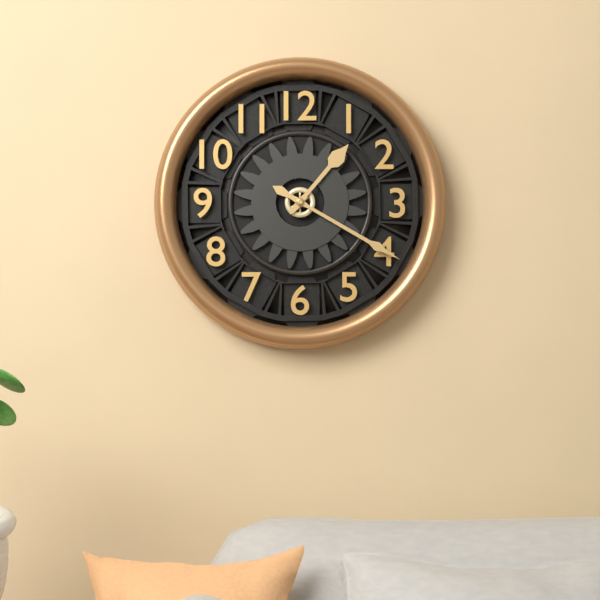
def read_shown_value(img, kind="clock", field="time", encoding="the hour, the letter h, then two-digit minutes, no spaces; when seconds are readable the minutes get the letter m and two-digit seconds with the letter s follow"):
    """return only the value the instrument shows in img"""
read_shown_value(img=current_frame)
1h20
